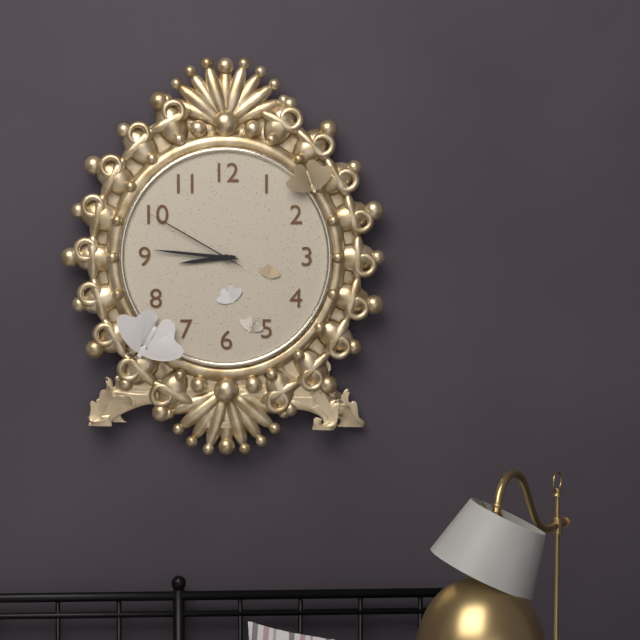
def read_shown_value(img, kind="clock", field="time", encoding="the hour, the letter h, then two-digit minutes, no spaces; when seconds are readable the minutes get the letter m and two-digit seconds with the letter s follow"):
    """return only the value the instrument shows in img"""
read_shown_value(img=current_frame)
8h46m50s
